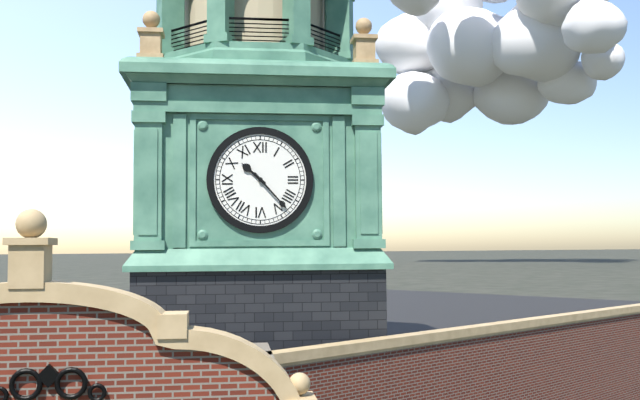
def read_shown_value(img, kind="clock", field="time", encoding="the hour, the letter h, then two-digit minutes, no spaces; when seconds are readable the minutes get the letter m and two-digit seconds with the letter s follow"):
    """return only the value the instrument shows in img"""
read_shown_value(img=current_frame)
10h23
